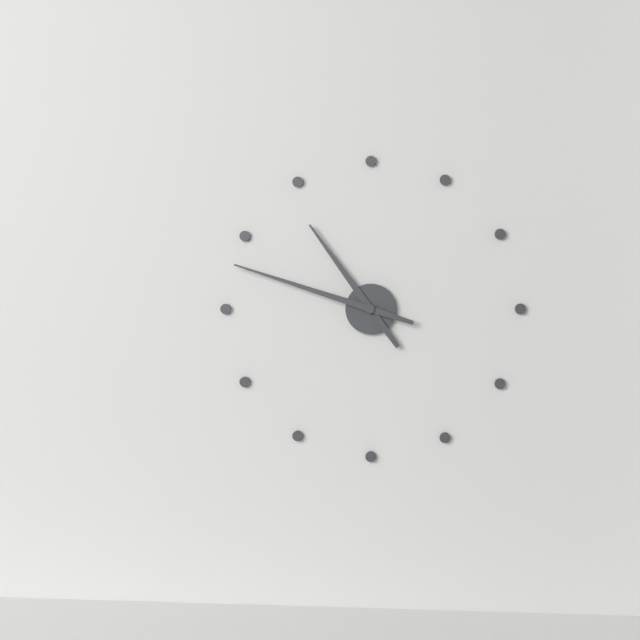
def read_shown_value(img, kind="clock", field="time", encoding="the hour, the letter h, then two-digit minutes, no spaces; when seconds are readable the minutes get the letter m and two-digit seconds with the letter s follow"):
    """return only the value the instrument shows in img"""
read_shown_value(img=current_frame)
10h48
